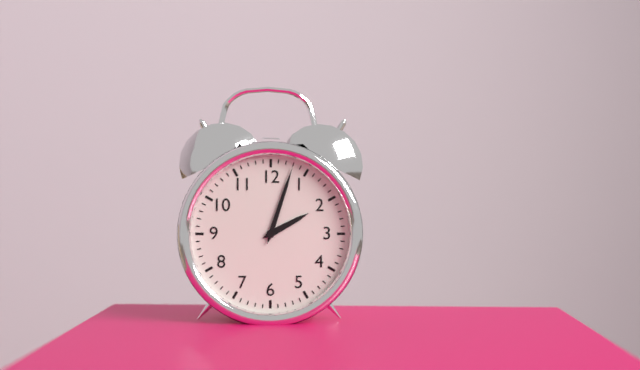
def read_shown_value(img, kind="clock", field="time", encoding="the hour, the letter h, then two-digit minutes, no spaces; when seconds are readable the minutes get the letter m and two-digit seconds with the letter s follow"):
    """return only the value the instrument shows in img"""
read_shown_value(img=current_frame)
2h03
